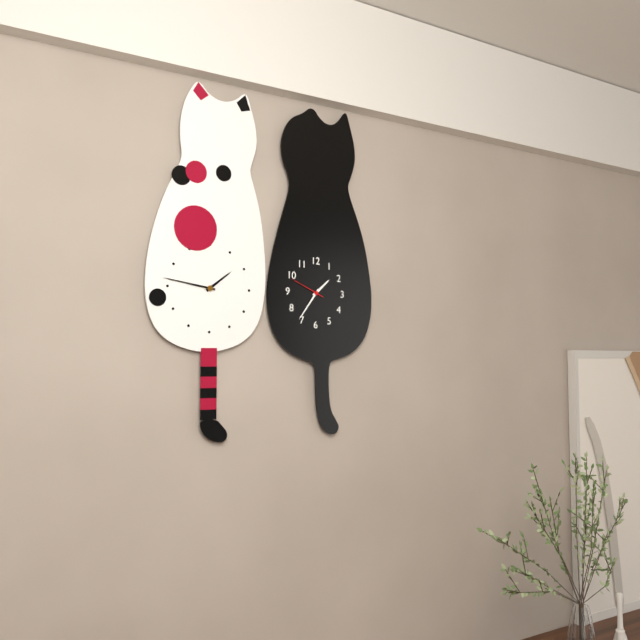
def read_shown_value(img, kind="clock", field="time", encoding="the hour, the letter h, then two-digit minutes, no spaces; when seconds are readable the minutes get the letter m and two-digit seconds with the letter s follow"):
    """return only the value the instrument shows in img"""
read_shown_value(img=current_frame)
1h36
